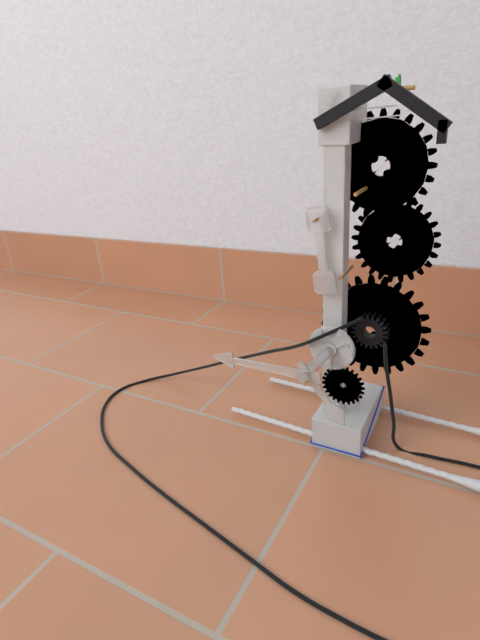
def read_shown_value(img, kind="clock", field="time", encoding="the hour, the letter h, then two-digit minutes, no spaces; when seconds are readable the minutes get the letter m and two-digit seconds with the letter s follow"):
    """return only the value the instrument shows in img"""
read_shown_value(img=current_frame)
4h45
